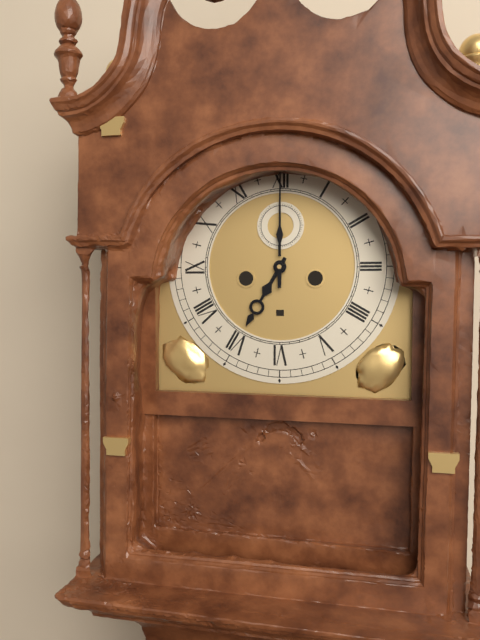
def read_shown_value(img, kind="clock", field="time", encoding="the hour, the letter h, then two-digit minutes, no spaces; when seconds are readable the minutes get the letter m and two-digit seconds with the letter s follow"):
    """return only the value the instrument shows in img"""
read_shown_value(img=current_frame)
7h00
